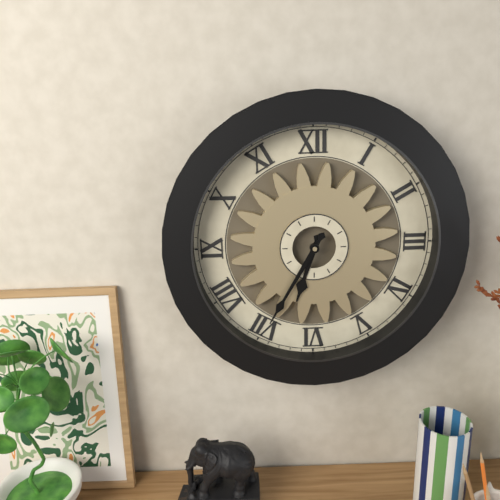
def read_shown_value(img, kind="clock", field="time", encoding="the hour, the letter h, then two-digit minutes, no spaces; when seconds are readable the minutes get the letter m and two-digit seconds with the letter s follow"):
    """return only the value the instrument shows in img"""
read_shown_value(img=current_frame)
6h35
